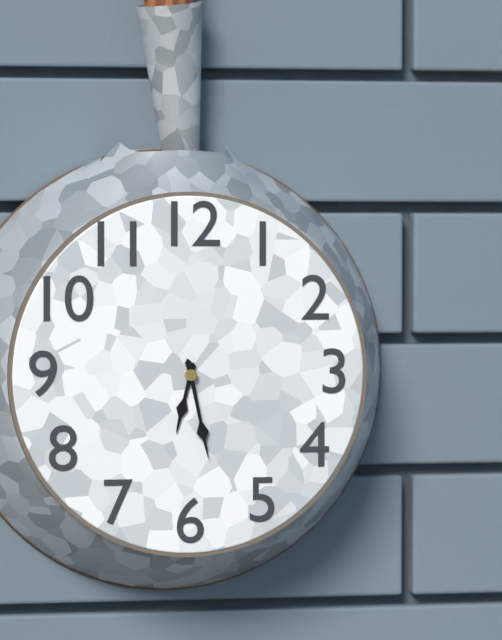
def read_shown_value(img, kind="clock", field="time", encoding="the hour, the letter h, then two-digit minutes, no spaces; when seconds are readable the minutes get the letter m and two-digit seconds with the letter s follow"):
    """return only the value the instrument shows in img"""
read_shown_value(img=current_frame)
6h28
